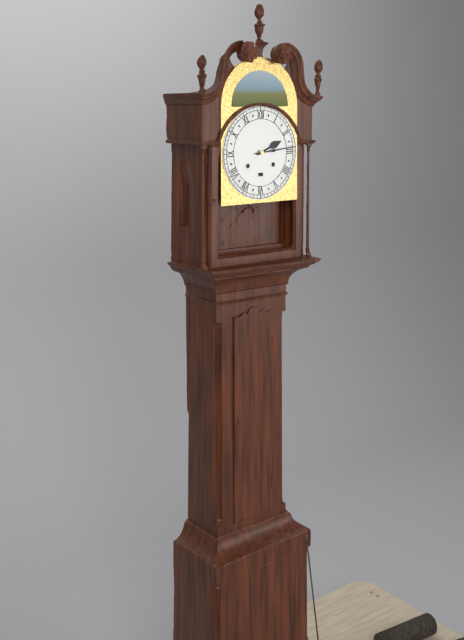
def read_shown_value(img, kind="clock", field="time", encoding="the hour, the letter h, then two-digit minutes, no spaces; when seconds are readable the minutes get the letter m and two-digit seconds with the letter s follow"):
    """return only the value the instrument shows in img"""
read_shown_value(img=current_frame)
2h14
